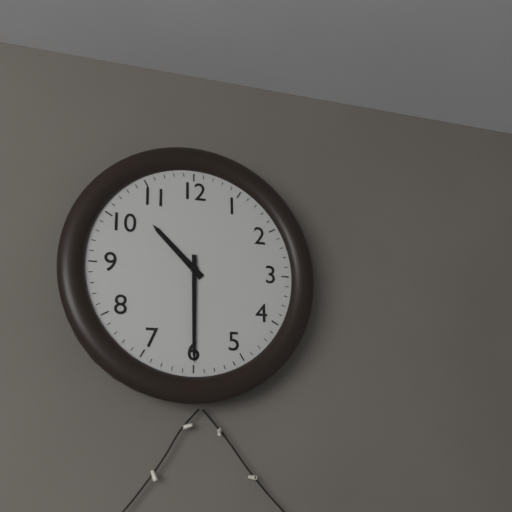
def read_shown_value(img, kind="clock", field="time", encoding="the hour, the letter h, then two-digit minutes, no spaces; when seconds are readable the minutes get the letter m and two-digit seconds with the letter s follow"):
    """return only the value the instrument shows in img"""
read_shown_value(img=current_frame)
10h30
